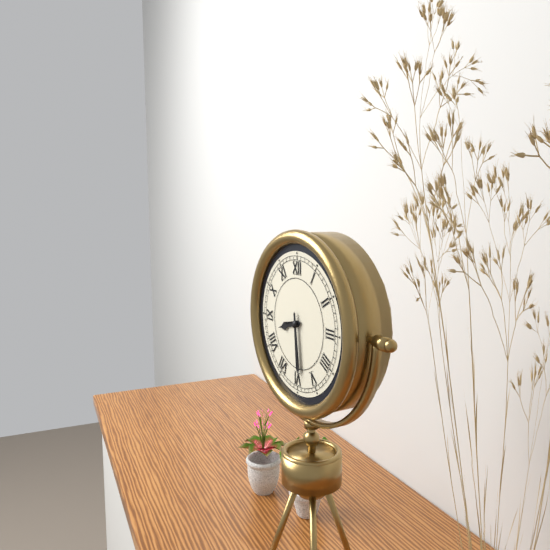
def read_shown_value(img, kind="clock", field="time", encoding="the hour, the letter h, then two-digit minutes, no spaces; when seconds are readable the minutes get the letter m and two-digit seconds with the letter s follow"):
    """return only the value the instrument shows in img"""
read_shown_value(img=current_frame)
8h29
